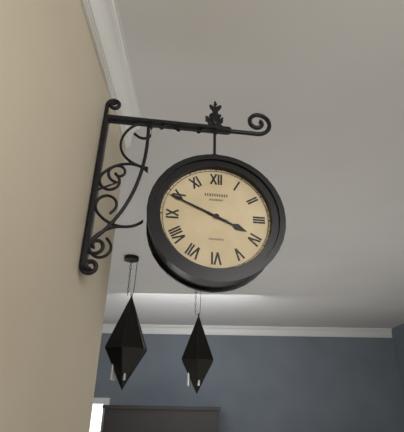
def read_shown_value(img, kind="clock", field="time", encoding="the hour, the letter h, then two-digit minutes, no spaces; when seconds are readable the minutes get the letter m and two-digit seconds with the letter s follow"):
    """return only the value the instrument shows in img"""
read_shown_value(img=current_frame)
3h49
